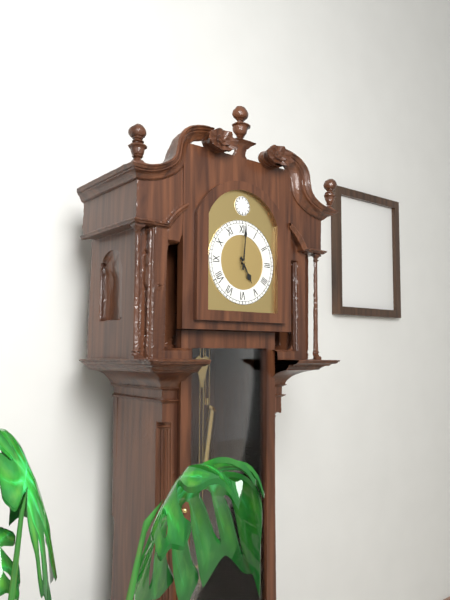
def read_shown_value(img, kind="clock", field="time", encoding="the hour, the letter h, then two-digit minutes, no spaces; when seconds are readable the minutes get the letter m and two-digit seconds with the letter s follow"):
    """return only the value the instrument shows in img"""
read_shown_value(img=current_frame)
5h01
